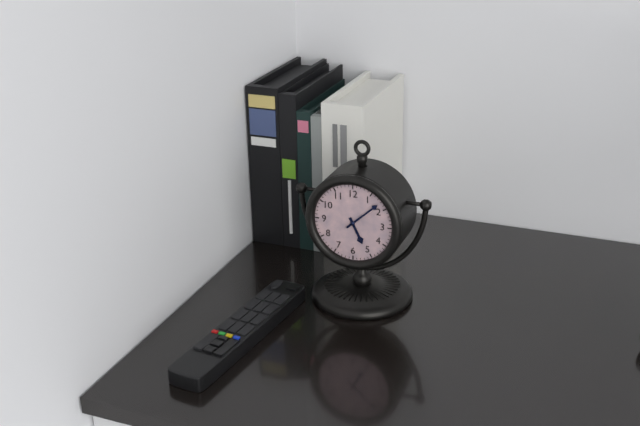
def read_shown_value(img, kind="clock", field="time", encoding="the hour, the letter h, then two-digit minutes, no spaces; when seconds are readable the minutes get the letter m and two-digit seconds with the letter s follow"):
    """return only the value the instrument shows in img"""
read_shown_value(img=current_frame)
5h08
